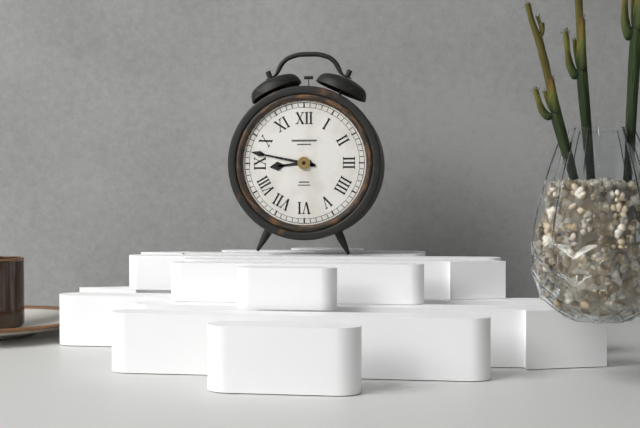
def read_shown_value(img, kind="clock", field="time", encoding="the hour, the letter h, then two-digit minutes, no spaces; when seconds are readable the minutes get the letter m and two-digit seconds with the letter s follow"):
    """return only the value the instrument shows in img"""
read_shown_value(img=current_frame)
8h47
